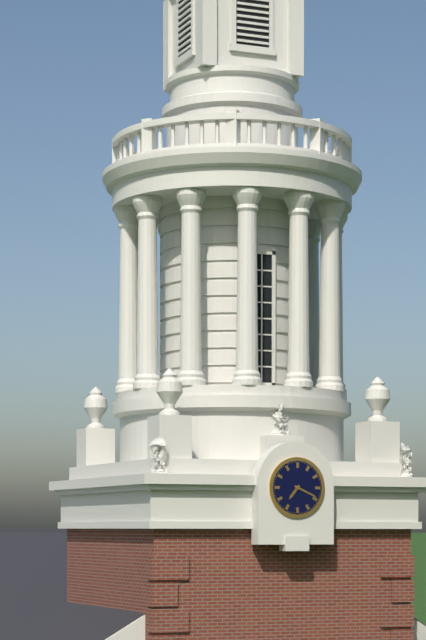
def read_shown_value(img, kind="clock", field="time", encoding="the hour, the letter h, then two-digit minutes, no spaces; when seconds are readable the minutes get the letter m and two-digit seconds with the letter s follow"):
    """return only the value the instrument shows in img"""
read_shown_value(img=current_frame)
7h19
